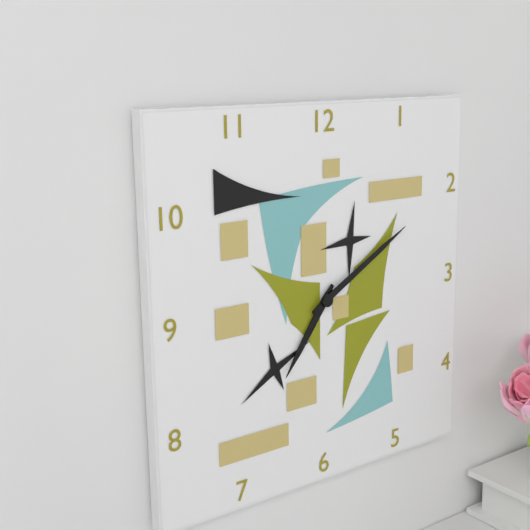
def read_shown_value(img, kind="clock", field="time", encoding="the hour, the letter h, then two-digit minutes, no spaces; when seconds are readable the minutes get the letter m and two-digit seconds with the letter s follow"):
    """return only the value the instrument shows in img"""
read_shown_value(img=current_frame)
7h10
